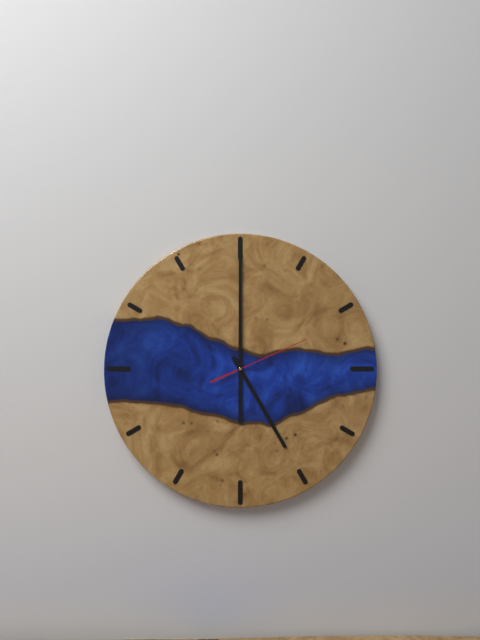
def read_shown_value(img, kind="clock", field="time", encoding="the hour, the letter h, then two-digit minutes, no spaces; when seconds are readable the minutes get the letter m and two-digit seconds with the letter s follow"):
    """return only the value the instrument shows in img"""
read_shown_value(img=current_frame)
5h00m11s
